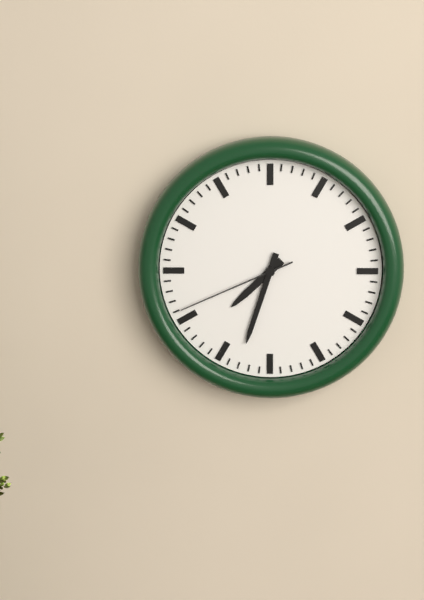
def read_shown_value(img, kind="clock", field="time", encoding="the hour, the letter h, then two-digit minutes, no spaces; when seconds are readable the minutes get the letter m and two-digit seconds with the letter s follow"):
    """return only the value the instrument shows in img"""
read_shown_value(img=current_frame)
7h33m41s
